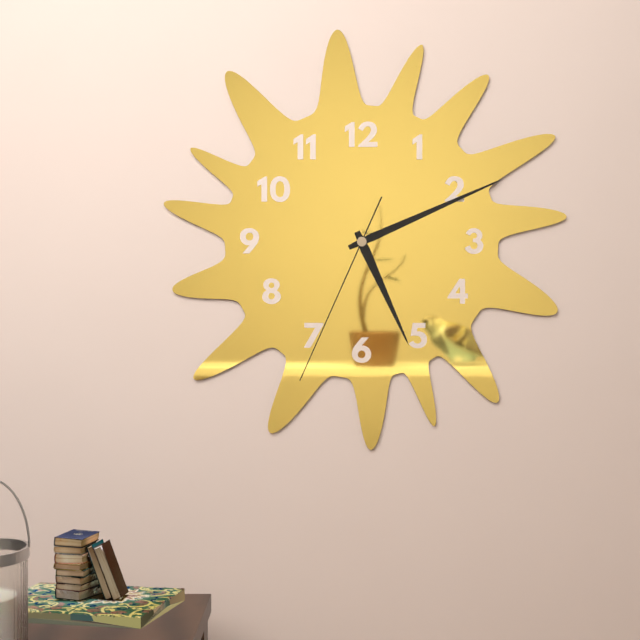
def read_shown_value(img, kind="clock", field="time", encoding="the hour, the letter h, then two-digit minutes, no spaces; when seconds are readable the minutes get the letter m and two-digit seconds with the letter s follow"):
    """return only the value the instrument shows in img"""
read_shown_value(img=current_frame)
5h11m34s
